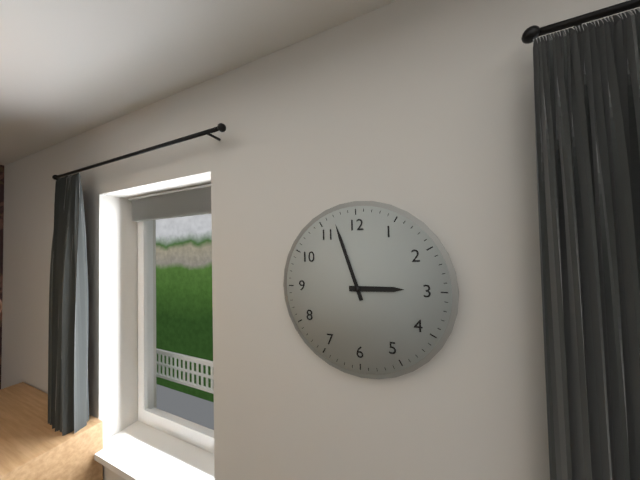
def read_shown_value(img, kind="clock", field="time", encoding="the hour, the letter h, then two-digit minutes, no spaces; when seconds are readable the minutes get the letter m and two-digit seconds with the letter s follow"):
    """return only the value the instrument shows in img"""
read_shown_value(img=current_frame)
2h57
